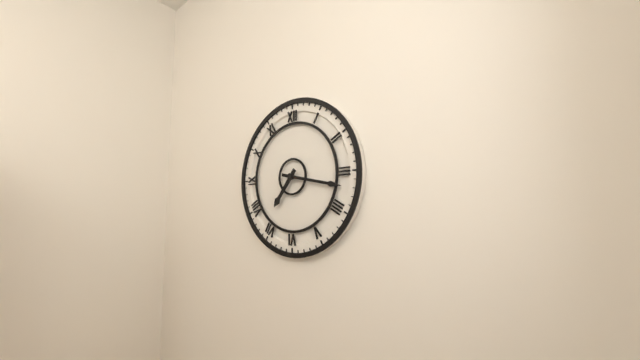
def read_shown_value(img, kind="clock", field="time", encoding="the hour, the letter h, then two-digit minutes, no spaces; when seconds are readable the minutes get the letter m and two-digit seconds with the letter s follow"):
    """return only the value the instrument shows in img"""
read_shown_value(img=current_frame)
7h17
